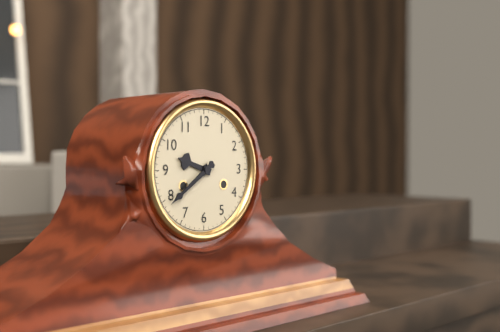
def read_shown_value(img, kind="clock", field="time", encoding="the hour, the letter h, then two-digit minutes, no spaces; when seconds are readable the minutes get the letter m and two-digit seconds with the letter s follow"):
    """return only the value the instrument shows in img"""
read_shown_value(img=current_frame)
9h39
